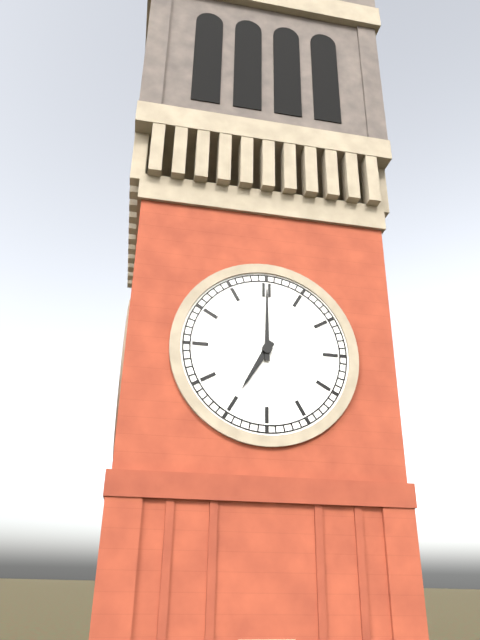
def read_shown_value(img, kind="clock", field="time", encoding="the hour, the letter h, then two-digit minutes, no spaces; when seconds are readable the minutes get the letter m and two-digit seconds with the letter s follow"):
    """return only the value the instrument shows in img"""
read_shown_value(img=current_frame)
7h00
